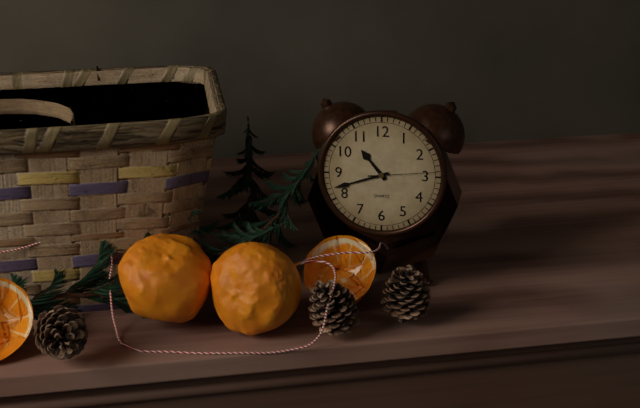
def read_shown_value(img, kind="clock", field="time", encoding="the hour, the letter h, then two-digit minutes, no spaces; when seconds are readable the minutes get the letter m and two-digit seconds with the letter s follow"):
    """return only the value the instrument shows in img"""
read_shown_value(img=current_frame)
10h42m14s
